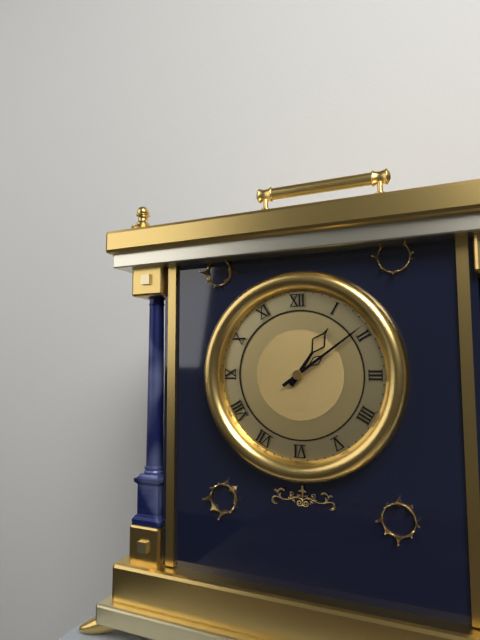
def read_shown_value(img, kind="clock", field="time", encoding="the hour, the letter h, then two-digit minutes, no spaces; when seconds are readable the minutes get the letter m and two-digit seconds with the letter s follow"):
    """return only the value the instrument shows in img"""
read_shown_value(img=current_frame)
1h09
